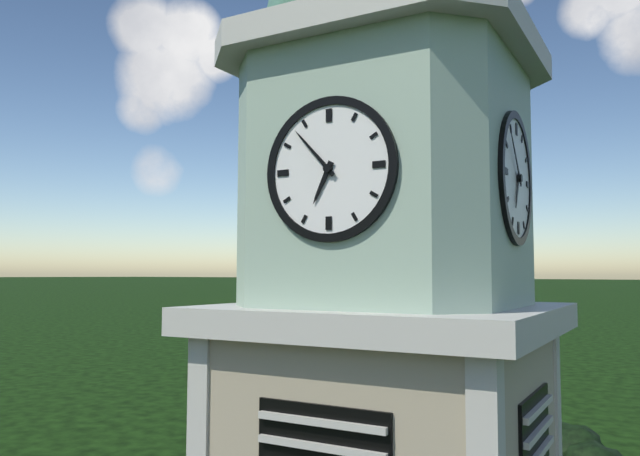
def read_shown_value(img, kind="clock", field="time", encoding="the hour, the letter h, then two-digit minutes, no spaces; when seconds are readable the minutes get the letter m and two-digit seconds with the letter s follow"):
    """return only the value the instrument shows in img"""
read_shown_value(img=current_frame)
6h53
